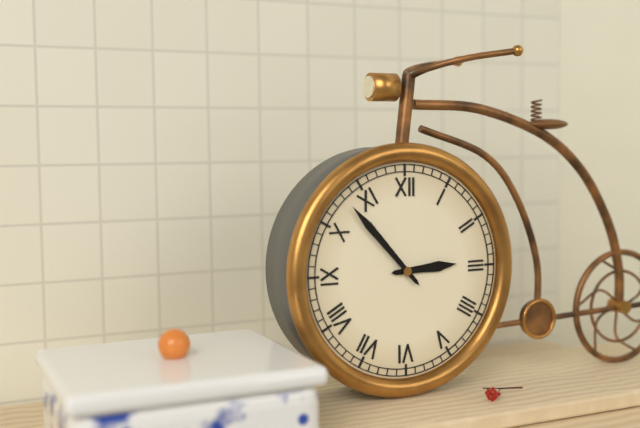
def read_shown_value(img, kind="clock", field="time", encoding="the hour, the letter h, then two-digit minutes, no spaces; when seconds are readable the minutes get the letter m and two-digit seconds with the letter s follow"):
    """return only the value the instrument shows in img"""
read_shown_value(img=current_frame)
2h53
